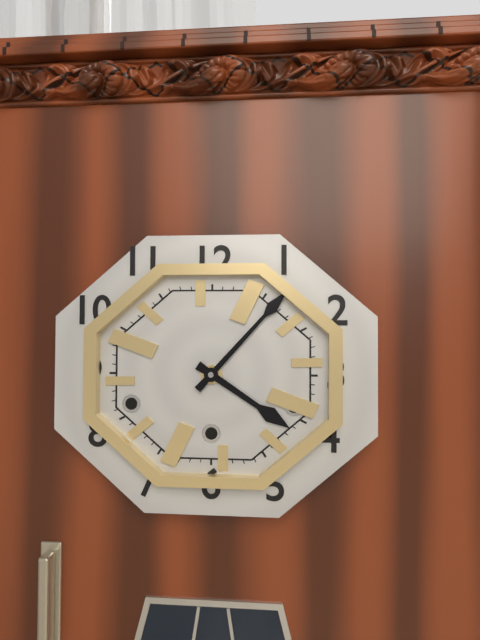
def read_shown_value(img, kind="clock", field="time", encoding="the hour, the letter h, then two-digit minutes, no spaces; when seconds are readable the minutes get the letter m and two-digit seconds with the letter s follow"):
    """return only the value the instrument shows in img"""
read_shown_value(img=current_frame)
4h07
